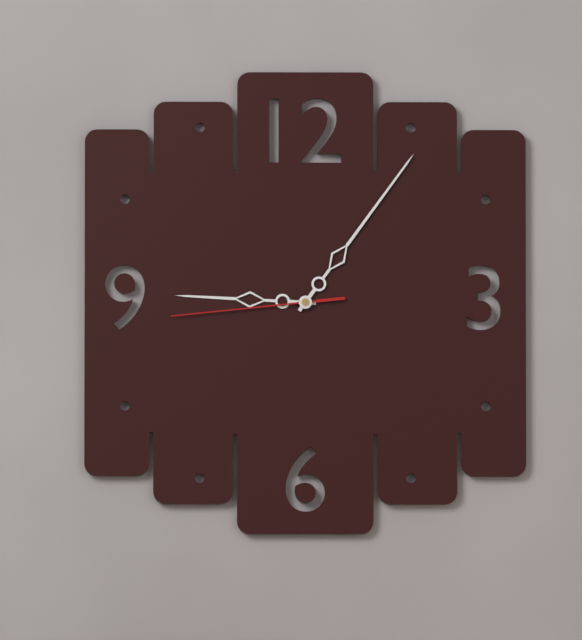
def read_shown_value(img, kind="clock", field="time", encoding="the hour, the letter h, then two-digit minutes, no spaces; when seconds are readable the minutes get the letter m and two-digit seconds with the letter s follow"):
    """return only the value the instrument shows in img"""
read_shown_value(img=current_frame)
9h06m44s
